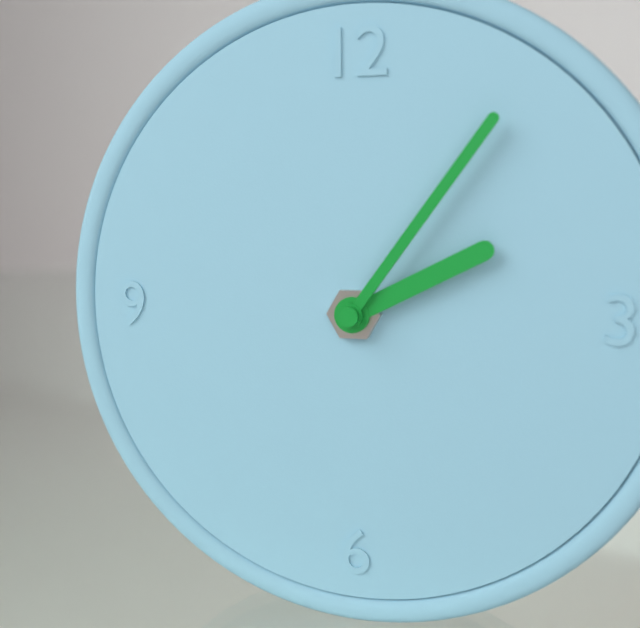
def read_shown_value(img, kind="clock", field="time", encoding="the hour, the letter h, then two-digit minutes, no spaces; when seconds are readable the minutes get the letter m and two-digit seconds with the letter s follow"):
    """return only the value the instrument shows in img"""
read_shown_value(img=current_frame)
2h06
